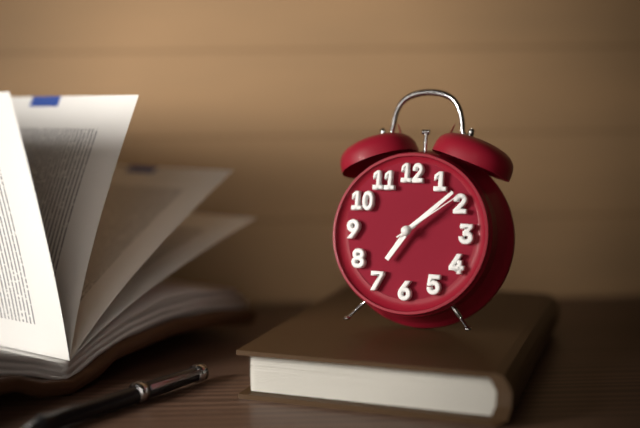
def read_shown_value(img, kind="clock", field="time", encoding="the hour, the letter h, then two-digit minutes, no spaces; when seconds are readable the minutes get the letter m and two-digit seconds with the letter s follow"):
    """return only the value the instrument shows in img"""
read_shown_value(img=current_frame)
7h08m09s
